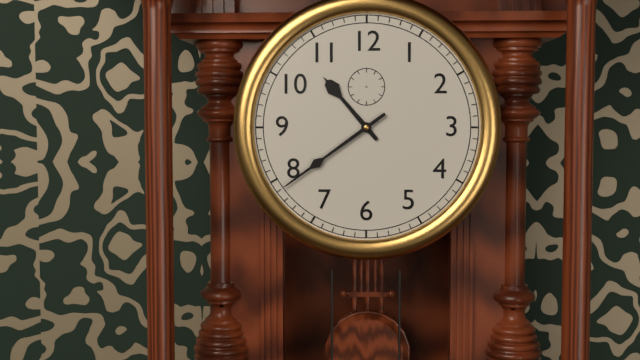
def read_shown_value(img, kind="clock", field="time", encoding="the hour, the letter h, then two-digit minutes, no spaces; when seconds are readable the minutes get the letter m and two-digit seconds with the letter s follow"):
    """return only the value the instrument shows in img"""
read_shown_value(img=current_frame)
10h39
